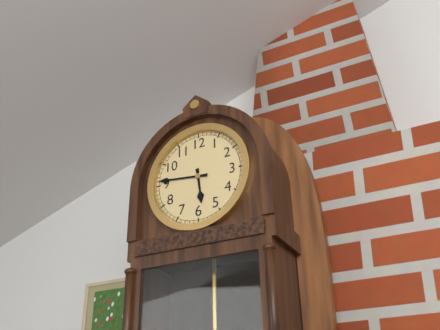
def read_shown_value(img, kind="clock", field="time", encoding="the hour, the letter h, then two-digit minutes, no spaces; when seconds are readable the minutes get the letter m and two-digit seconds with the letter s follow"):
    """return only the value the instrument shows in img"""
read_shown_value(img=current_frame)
5h46
